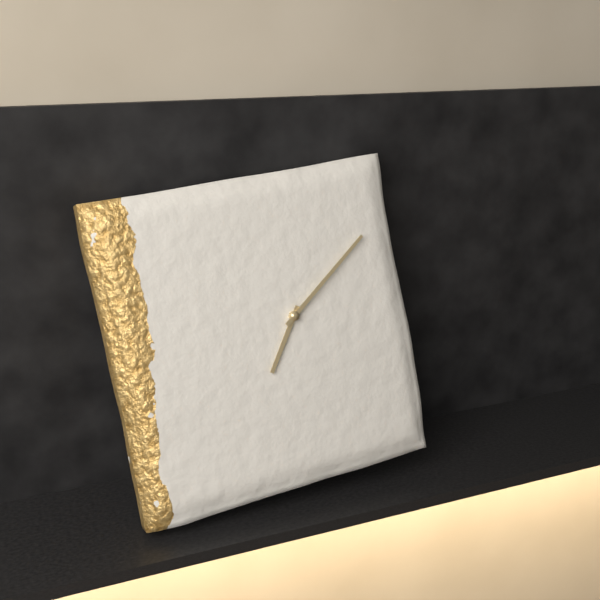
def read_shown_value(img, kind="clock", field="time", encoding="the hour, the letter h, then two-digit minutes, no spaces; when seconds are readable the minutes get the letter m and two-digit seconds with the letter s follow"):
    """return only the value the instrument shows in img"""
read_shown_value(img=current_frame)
7h09
